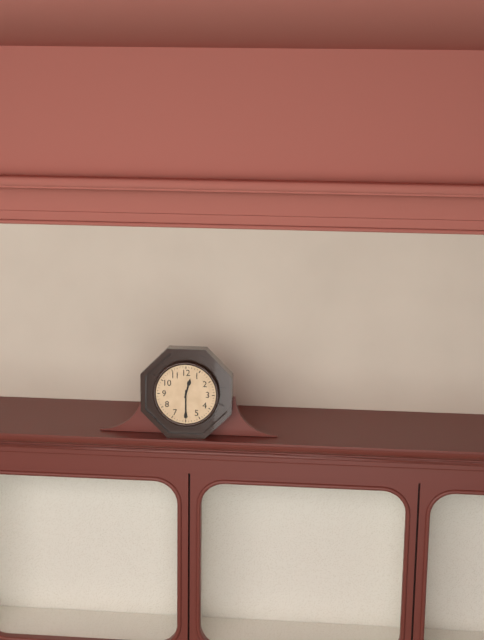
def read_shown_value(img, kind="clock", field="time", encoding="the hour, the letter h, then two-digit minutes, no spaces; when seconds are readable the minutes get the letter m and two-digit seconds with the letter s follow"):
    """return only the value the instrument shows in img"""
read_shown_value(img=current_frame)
12h30
